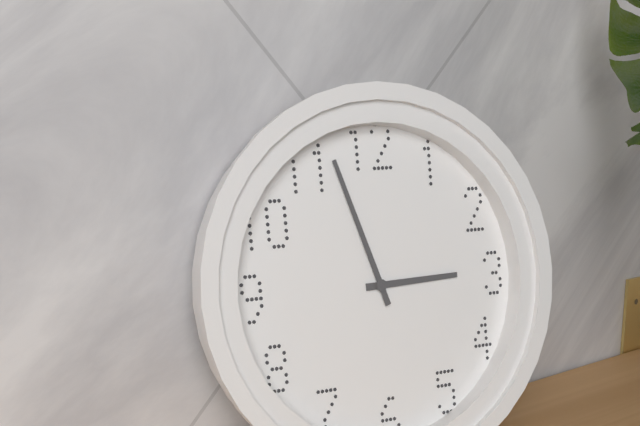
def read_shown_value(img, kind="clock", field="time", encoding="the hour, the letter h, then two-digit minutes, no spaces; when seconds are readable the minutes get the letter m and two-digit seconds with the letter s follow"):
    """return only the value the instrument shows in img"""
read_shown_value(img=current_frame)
2h57
